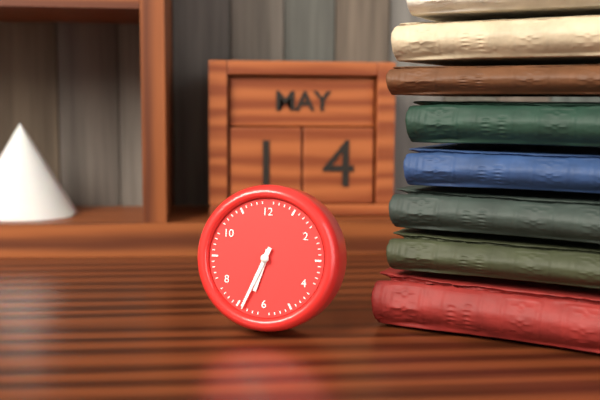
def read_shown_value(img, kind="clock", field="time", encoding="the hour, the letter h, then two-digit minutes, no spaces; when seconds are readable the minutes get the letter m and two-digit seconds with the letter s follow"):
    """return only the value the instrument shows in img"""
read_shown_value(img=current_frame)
6h34
